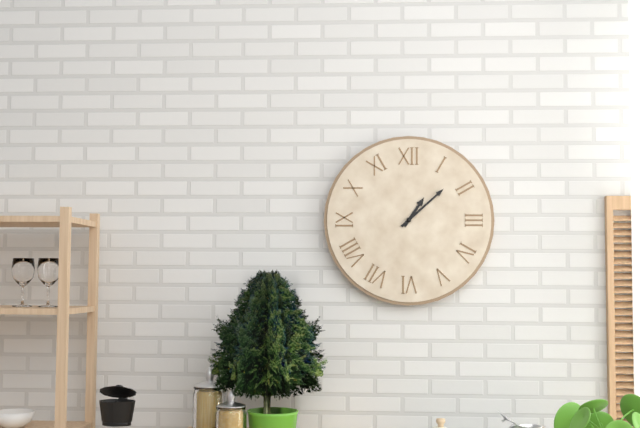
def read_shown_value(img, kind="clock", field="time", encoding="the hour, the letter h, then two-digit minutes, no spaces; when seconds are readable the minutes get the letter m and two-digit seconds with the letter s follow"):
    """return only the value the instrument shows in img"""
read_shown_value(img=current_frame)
1h08
